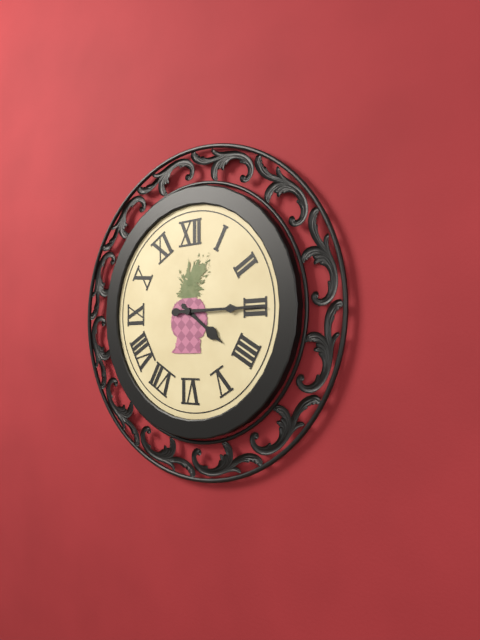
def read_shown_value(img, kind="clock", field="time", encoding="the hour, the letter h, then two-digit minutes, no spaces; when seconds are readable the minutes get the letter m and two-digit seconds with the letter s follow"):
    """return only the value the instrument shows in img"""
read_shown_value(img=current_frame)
4h15
